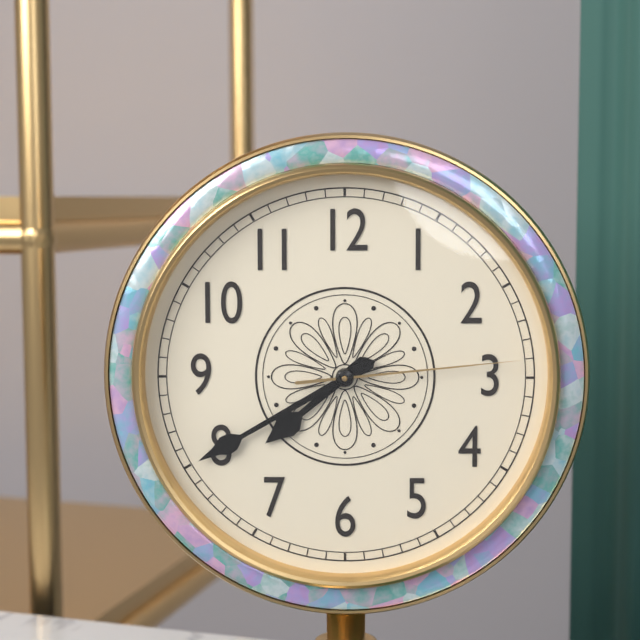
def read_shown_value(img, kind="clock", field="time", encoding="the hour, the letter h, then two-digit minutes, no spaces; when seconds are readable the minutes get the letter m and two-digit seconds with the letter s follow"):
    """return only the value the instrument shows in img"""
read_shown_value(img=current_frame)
7h40m14s
